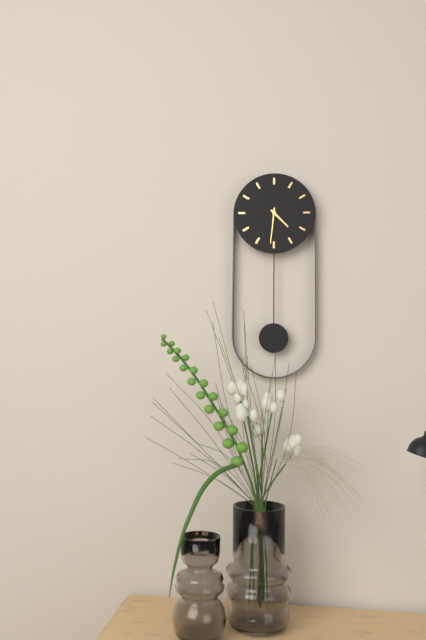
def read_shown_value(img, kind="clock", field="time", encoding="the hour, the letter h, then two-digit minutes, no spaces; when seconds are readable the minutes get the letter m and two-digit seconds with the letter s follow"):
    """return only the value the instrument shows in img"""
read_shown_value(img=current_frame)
4h31
